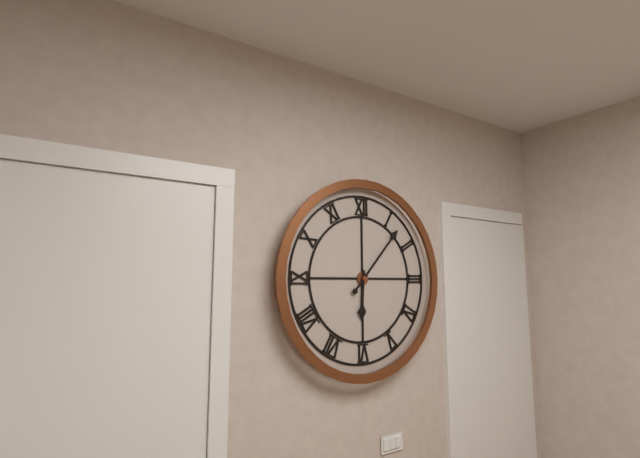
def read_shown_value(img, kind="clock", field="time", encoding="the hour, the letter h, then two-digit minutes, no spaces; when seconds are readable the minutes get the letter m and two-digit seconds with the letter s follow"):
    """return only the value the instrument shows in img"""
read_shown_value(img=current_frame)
6h07
